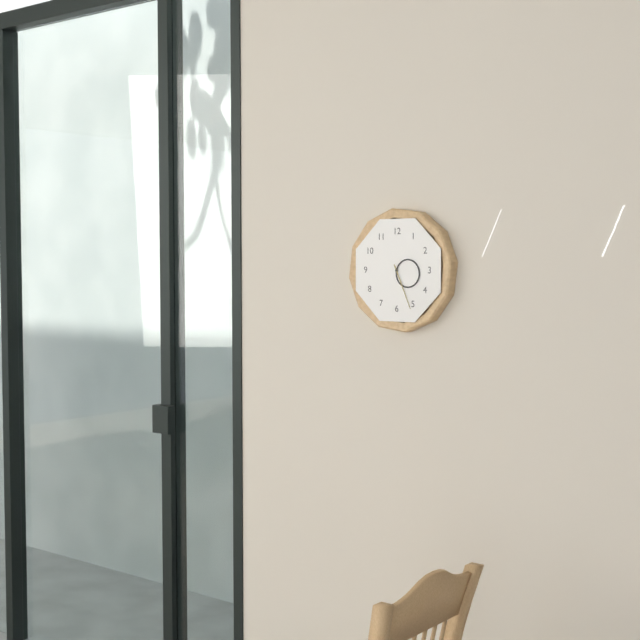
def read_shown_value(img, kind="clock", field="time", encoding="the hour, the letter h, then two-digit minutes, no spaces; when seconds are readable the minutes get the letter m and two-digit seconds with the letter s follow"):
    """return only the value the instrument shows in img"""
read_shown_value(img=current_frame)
3h26
